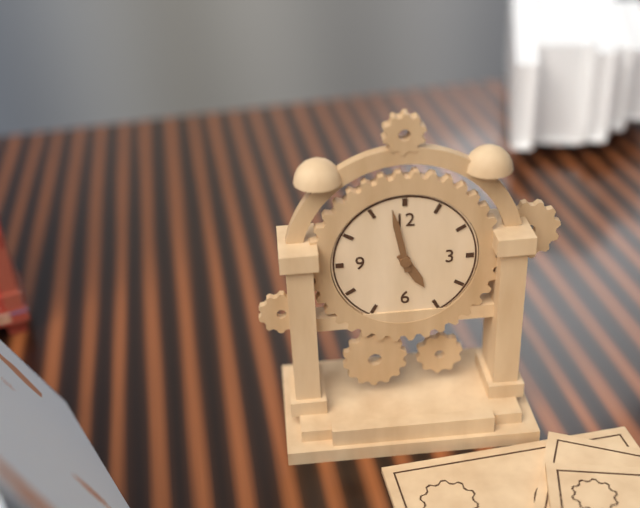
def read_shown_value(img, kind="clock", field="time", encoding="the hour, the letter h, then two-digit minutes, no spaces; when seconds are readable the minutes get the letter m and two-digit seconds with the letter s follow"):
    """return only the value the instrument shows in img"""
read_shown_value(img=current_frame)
4h58
